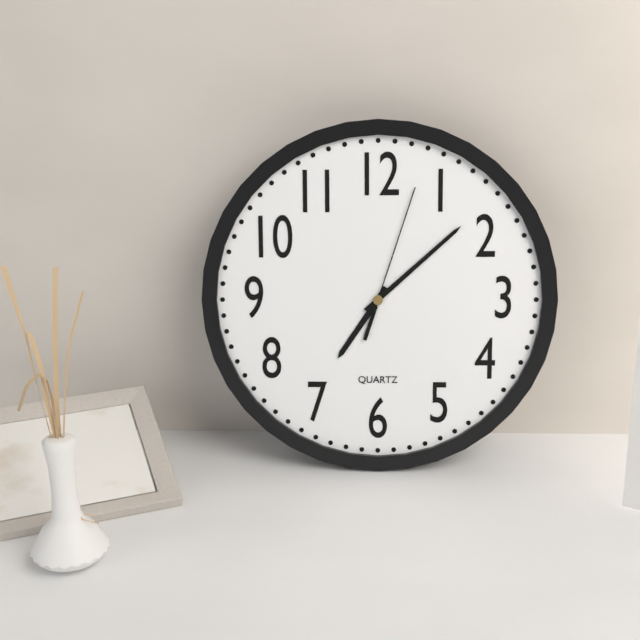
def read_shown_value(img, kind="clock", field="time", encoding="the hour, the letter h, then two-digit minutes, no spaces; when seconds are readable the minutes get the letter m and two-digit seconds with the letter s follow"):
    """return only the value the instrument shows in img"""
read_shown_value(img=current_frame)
7h08m03s
